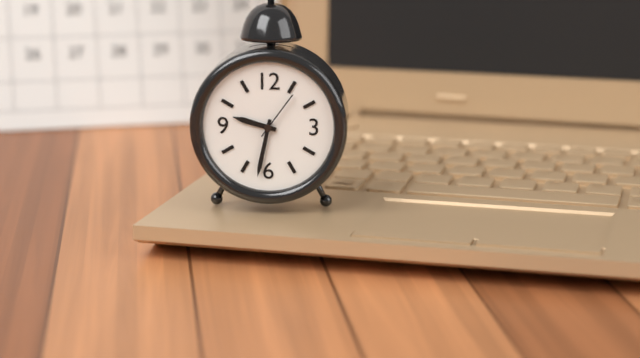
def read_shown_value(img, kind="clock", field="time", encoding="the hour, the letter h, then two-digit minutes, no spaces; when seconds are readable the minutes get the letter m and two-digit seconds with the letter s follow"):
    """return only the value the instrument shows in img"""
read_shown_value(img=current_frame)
9h32
